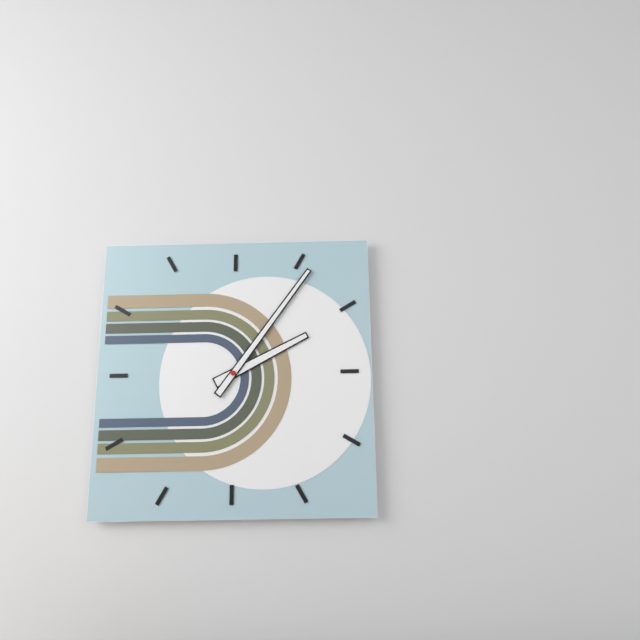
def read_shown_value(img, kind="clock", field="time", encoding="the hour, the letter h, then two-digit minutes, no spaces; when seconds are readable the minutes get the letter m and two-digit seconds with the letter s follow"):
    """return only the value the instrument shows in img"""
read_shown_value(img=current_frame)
2h06
